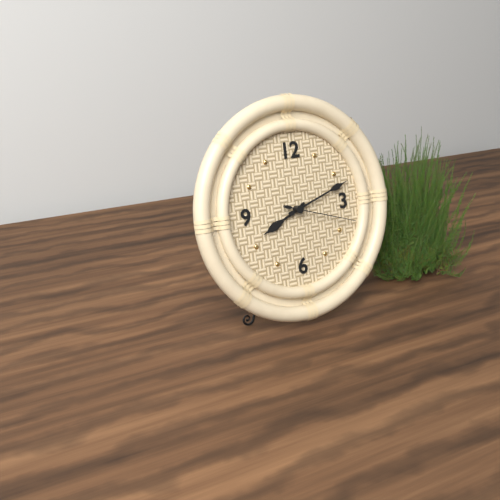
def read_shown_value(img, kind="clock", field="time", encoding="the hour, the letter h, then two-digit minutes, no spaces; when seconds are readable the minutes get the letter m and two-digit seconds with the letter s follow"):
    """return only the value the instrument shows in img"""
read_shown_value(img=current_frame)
8h12m18s
